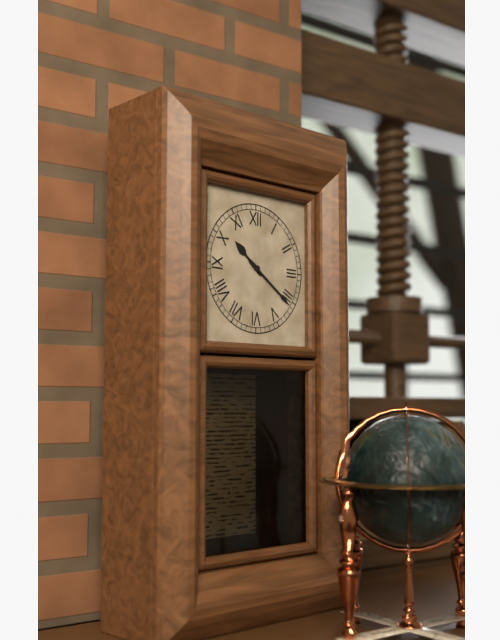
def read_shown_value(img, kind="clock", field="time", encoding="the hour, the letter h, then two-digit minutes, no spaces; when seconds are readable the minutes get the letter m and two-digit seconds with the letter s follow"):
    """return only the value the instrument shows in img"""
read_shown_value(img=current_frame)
10h21
